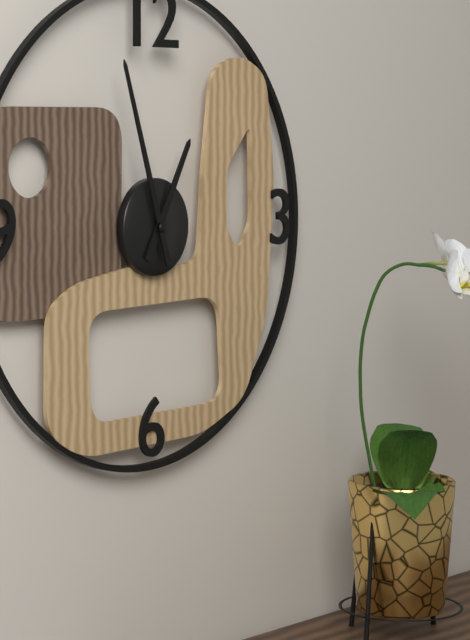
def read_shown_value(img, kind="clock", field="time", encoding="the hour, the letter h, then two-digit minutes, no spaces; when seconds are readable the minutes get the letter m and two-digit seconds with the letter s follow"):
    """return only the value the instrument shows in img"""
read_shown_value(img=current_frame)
12h57
